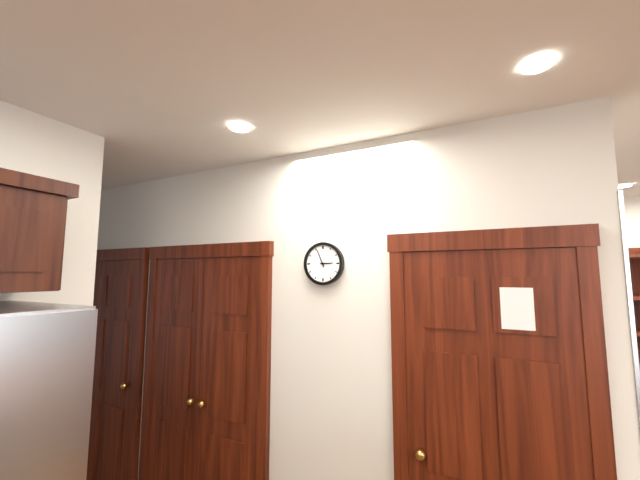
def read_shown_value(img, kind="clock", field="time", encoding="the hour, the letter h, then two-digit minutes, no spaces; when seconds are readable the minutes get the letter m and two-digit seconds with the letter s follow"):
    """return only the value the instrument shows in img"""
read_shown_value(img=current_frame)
2h56
